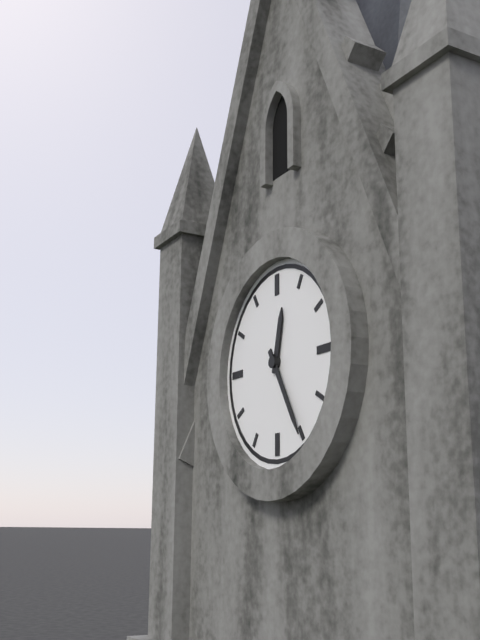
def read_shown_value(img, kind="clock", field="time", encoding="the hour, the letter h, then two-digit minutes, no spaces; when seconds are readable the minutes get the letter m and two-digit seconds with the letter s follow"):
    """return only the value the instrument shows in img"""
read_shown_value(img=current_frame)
12h25
